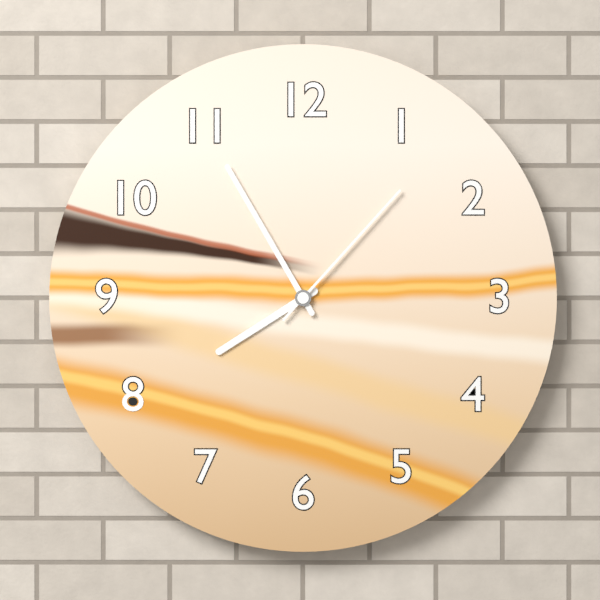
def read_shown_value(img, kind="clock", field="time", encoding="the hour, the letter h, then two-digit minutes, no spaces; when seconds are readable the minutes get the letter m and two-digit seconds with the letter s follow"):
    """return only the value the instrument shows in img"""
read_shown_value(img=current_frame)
7h55m07s
